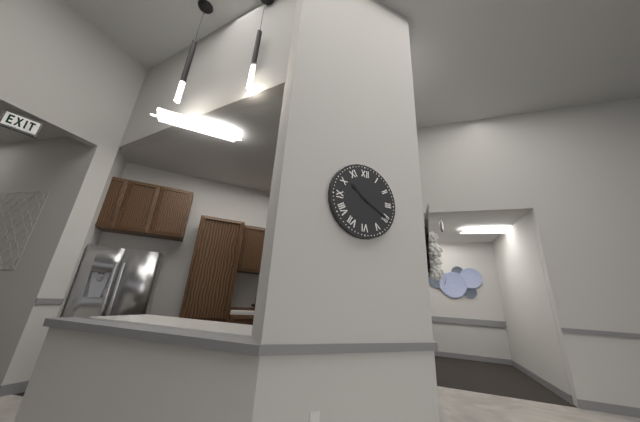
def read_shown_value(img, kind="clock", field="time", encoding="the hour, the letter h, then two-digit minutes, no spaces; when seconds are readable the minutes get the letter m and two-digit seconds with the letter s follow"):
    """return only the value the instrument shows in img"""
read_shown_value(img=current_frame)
10h20
